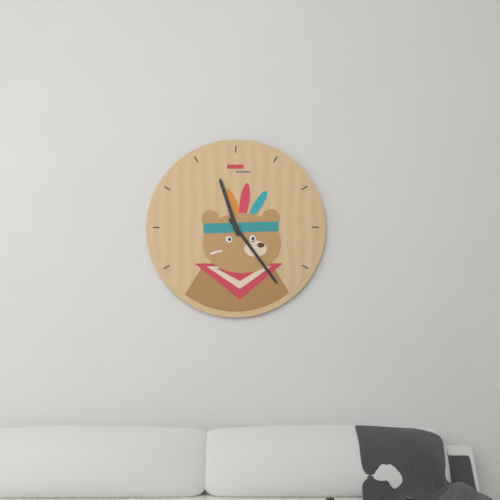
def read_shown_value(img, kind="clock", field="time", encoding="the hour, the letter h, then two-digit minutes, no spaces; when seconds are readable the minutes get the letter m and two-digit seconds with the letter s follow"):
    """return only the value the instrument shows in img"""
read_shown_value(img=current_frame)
11h24
